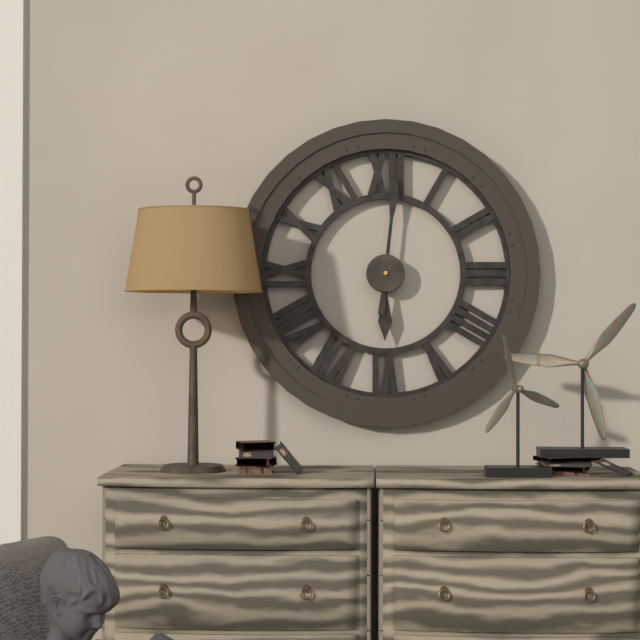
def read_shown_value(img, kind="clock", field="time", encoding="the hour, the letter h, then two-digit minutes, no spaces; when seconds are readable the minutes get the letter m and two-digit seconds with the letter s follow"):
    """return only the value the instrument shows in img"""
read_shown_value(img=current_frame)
6h01
